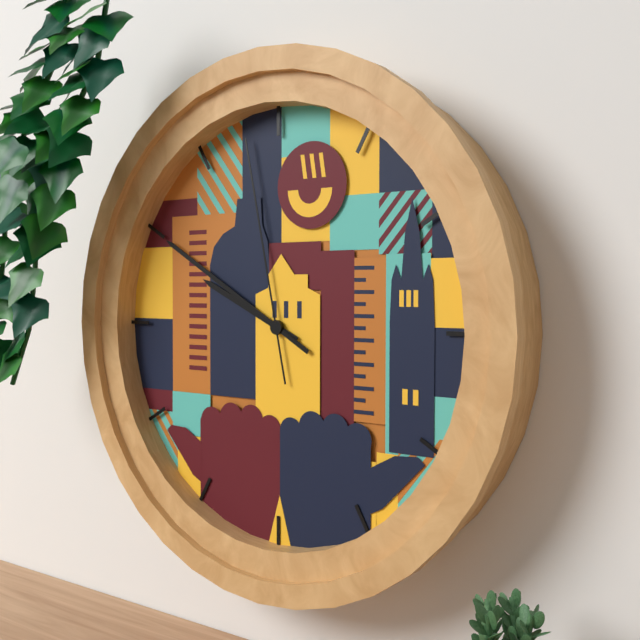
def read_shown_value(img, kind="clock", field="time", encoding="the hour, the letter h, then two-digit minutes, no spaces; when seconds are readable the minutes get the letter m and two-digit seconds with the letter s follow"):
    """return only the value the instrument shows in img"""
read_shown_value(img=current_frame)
9h50m58s
